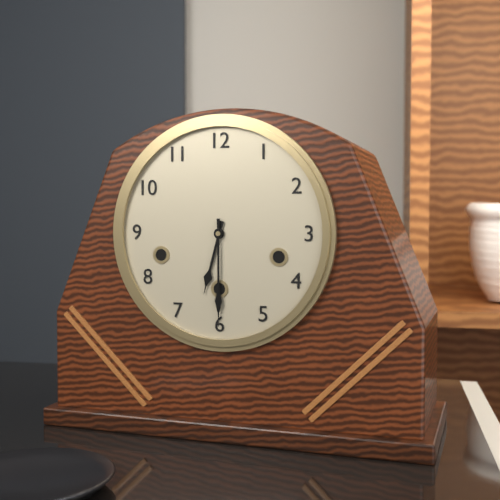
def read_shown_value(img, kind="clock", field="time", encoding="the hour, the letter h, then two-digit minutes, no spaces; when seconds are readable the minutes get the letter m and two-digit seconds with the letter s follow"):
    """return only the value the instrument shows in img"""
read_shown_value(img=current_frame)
6h30
